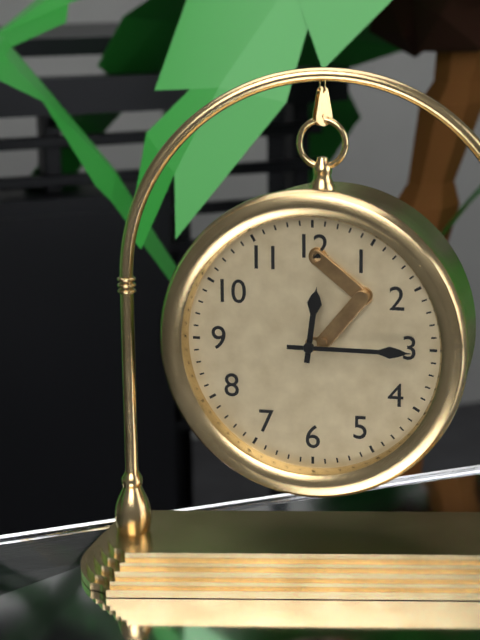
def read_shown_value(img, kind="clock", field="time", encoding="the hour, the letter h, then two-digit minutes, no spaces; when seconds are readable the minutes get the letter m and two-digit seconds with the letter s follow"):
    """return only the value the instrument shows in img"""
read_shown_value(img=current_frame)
12h15
